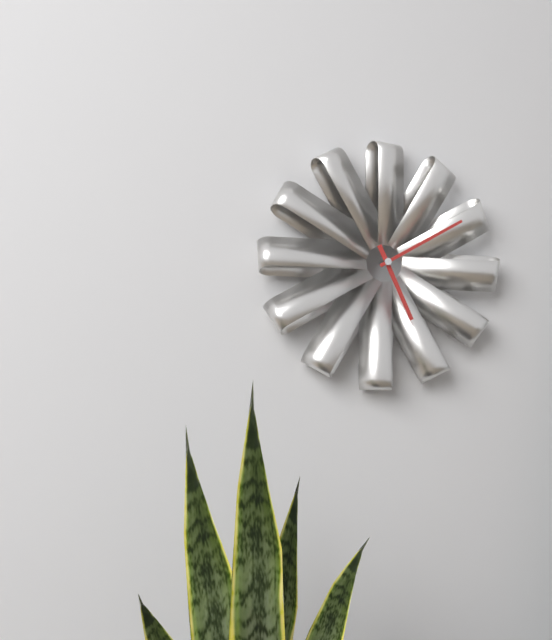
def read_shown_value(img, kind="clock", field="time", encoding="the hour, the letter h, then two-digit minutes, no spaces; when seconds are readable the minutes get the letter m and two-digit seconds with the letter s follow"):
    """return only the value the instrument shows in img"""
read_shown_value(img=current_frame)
5h10
